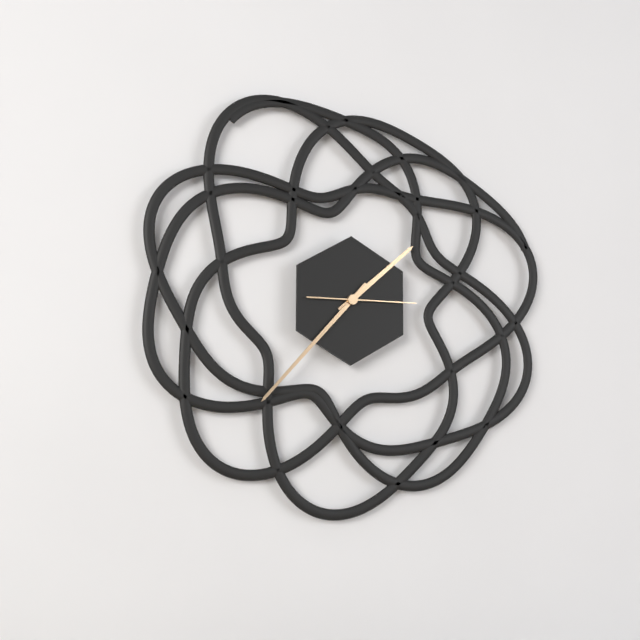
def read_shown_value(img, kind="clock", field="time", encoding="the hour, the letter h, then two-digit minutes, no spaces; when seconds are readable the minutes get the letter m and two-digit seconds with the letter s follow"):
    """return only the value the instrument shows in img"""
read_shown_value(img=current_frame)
1h37m15s
